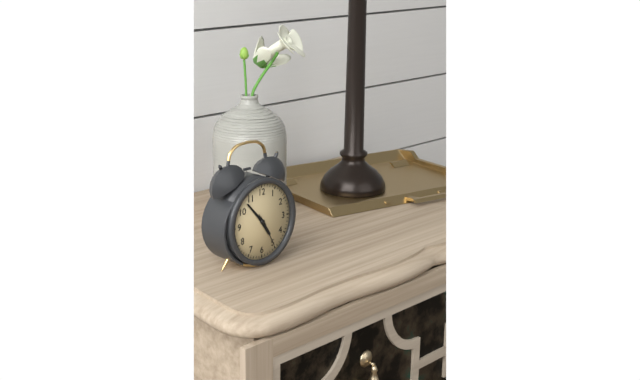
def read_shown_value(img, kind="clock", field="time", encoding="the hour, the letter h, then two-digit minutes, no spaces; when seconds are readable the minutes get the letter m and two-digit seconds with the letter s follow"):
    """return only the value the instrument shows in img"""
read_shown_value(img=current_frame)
4h53
